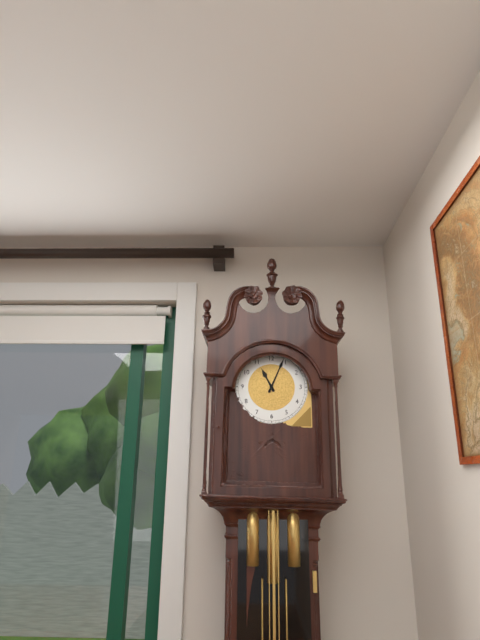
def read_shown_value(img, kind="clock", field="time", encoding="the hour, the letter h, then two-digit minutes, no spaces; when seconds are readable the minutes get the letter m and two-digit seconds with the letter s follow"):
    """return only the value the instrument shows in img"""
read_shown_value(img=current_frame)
11h04
